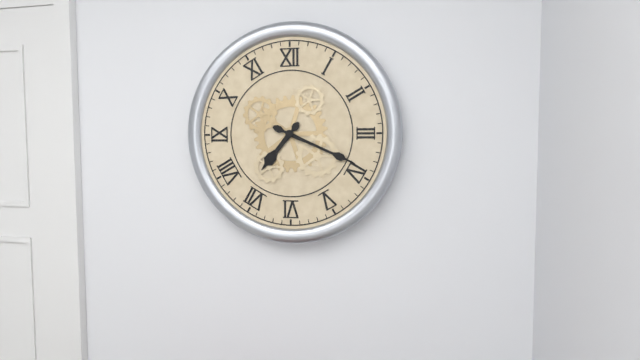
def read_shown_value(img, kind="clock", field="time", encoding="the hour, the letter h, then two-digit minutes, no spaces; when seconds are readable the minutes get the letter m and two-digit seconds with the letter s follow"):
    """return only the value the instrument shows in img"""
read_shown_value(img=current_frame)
7h19
